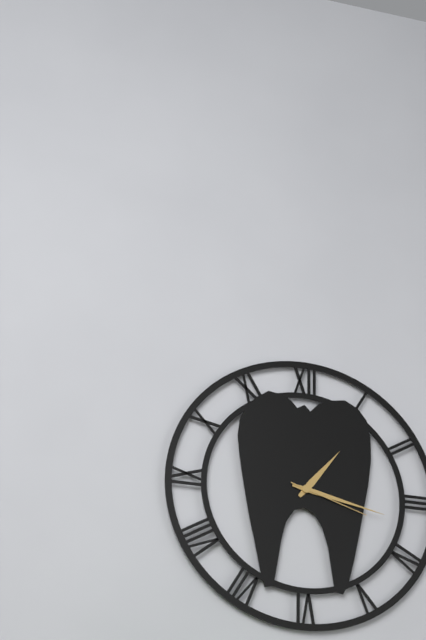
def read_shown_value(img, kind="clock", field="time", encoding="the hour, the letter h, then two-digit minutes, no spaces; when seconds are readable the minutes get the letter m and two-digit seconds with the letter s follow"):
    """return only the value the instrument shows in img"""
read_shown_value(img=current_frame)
1h17m18s
